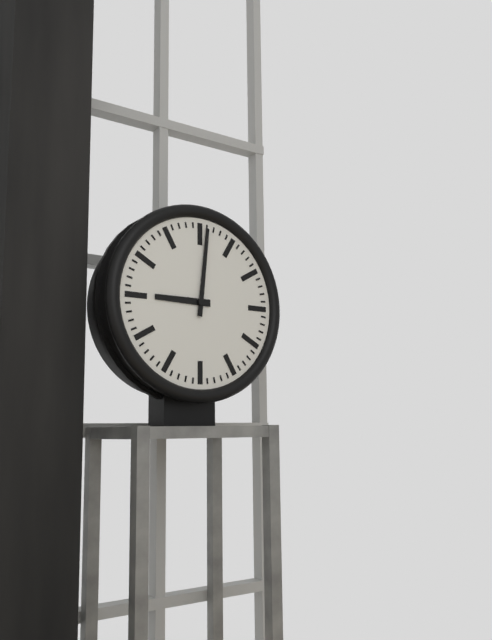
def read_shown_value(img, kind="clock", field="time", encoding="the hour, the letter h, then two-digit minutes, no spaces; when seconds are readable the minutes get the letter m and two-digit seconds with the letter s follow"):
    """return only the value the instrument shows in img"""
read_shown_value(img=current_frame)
9h01
